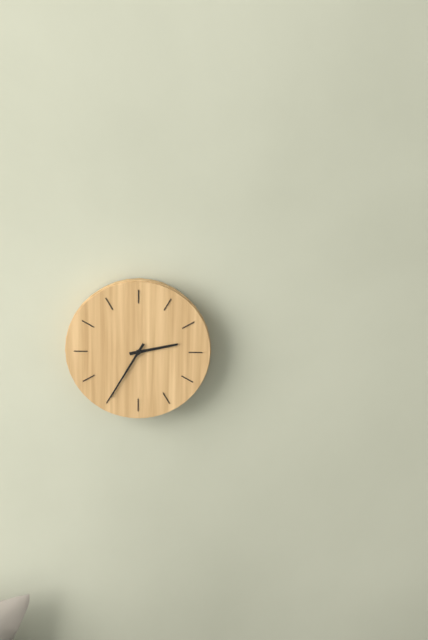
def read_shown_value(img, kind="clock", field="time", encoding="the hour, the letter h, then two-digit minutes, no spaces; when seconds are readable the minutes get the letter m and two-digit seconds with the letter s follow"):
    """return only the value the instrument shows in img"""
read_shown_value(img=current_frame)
2h35
